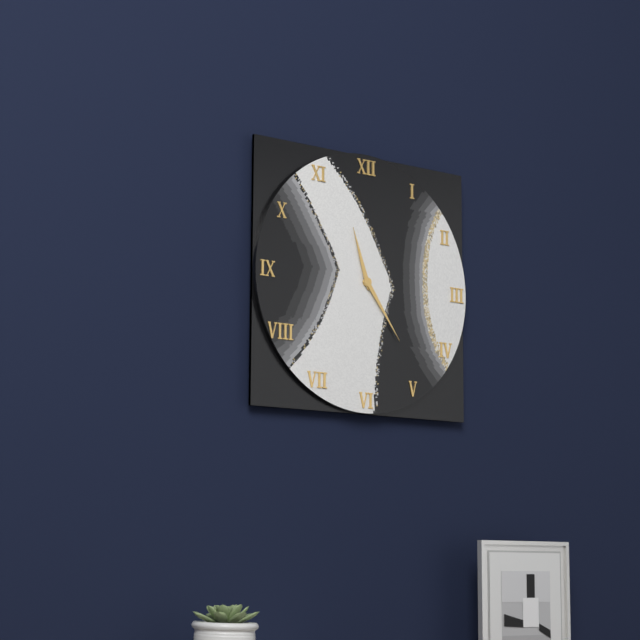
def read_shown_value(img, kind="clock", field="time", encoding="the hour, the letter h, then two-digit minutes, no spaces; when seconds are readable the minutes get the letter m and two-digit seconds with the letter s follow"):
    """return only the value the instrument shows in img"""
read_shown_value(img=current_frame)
11h24
